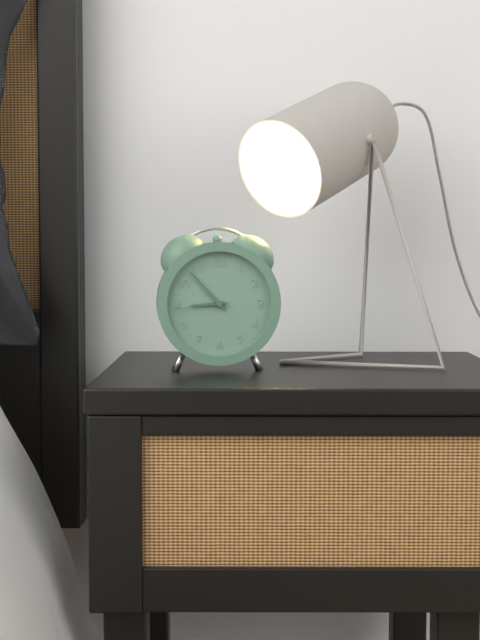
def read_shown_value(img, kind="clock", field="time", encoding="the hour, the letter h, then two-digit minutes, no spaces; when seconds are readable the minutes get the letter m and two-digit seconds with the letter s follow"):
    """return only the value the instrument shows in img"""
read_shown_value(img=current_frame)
8h53m44s
